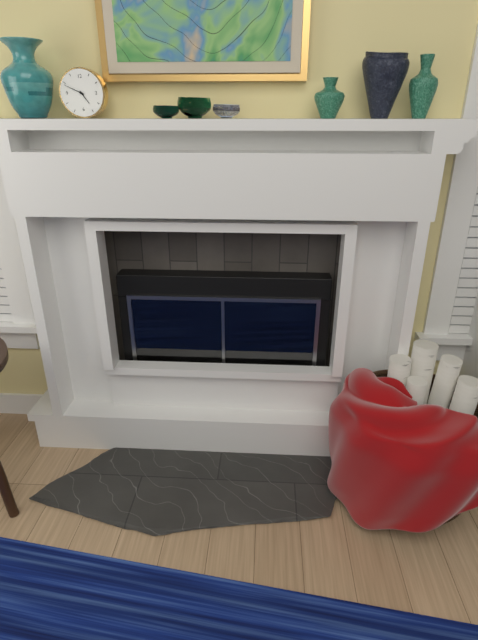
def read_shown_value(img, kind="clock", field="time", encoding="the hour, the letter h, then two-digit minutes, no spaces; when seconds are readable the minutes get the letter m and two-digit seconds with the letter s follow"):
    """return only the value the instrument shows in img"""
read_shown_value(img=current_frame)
4h49
